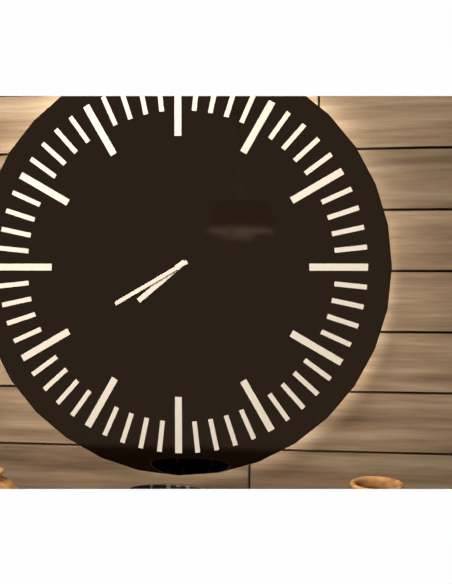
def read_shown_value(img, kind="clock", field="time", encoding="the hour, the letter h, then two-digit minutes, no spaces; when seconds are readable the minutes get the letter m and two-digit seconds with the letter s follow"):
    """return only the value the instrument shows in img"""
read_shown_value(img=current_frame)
7h40
